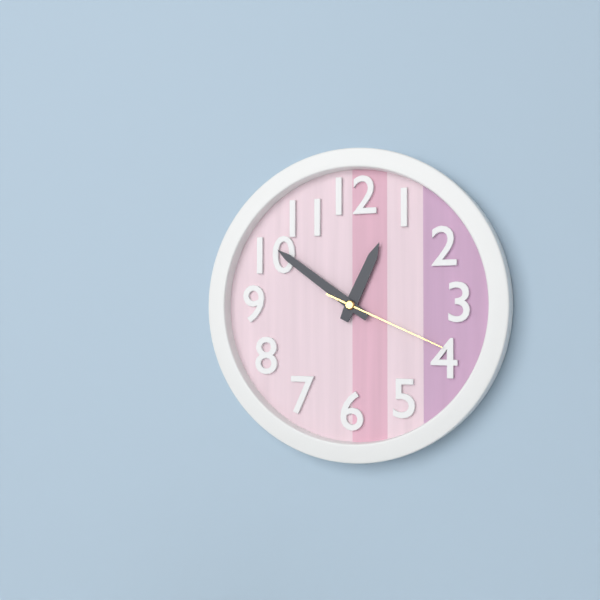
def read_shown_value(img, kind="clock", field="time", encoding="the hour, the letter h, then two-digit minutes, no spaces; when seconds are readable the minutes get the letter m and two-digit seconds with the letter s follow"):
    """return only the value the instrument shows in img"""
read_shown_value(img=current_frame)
12h51m19s
